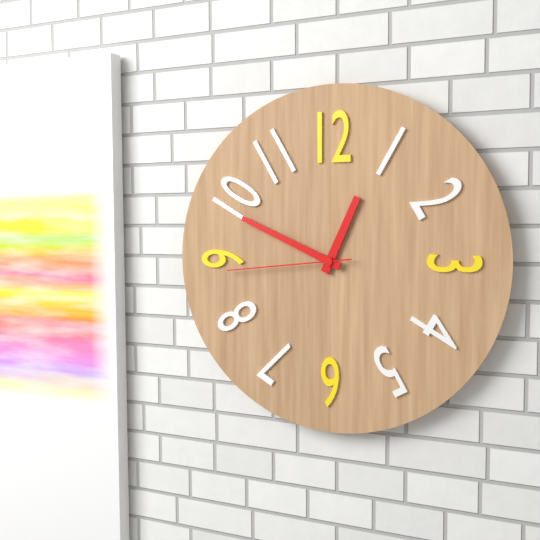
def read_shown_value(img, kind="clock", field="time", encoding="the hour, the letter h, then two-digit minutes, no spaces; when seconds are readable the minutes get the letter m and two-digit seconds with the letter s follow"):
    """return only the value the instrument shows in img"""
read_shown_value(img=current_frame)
12h49m44s
